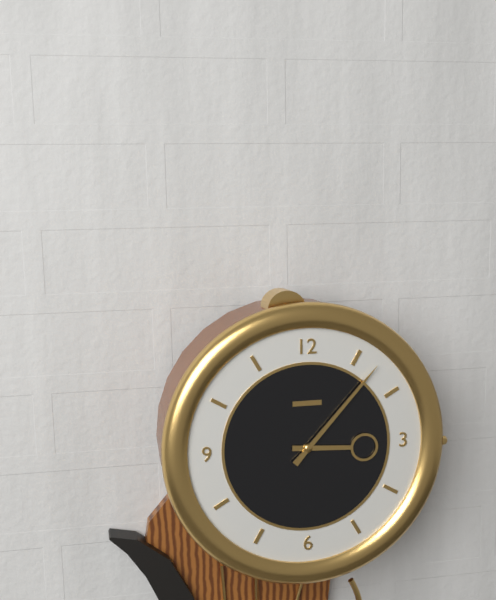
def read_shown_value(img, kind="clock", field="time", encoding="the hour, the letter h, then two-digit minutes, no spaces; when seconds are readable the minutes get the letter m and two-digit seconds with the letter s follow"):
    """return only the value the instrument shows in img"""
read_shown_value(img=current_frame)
3h07
